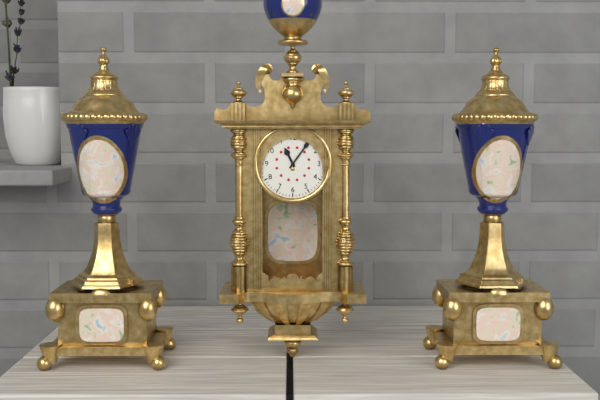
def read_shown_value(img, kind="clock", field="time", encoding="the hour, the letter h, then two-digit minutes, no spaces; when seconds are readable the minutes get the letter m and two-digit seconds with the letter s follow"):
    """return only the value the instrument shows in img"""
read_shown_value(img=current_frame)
11h06
